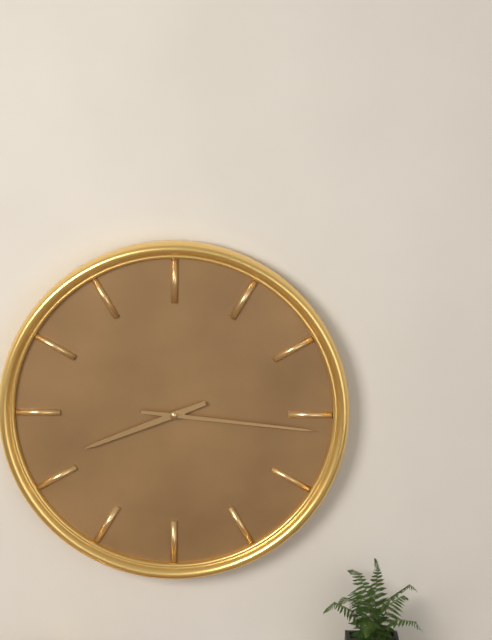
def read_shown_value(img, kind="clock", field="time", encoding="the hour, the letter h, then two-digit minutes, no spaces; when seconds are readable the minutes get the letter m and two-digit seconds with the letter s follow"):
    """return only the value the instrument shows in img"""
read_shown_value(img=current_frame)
8h16
